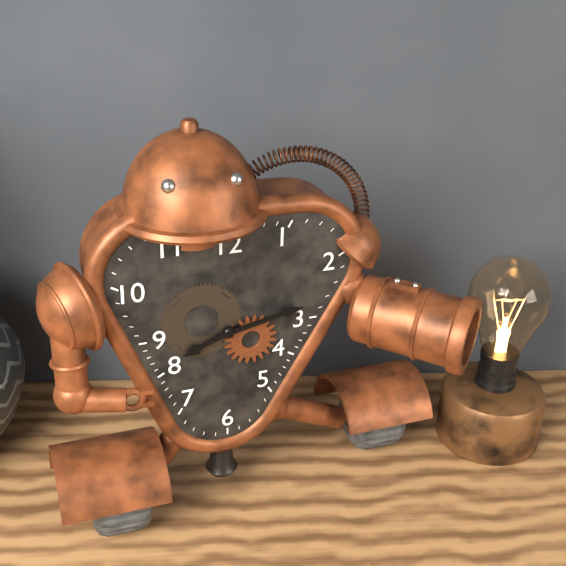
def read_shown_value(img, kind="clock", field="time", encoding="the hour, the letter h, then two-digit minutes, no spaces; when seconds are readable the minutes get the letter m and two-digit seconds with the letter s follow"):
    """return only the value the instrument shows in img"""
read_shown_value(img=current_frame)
8h13
